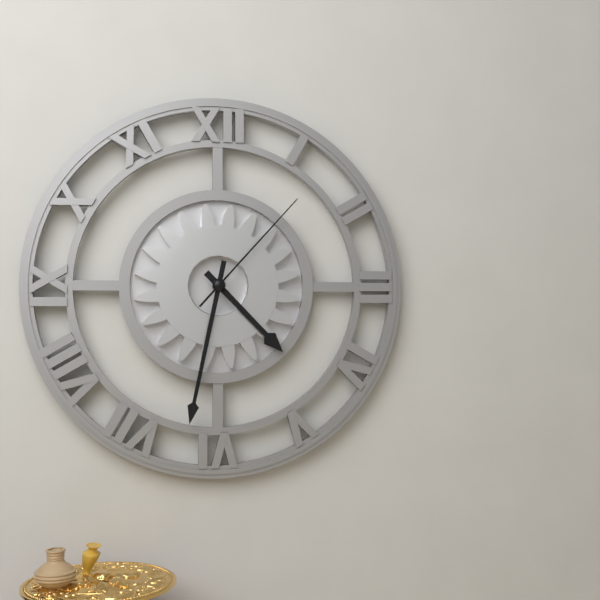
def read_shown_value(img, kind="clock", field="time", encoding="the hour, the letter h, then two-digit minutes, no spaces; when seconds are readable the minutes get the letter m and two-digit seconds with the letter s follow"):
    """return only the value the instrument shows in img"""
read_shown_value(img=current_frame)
4h32m07s
